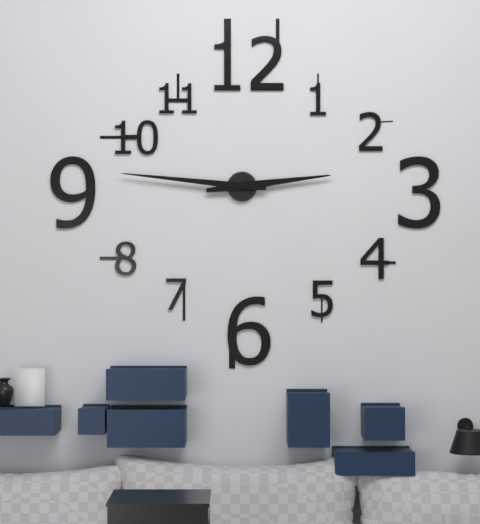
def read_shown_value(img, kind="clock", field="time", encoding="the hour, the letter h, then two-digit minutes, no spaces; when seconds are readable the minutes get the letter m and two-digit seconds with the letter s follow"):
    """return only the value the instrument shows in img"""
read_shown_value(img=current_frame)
2h46
